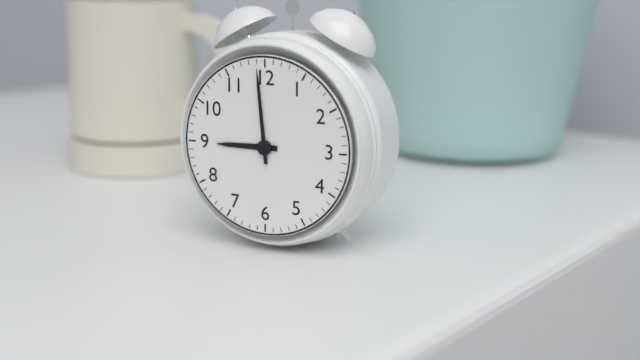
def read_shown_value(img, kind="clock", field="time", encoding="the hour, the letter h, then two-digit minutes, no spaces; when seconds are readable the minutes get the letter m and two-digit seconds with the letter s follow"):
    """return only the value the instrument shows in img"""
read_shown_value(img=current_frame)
8h59
